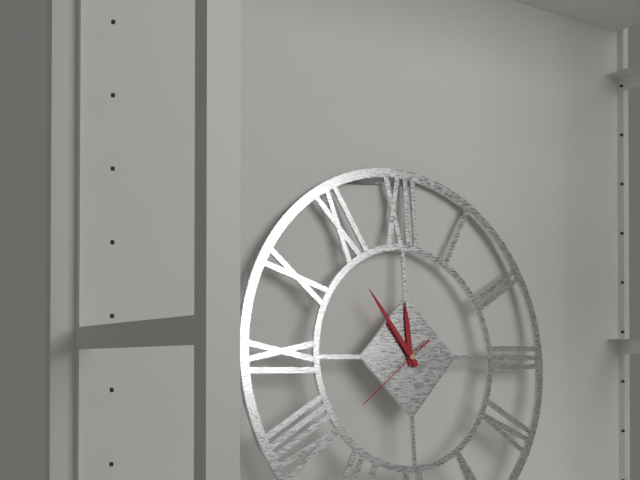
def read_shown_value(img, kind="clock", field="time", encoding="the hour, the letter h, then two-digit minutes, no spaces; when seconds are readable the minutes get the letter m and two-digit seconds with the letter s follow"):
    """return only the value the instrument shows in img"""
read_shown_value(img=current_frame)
11h54m39s
